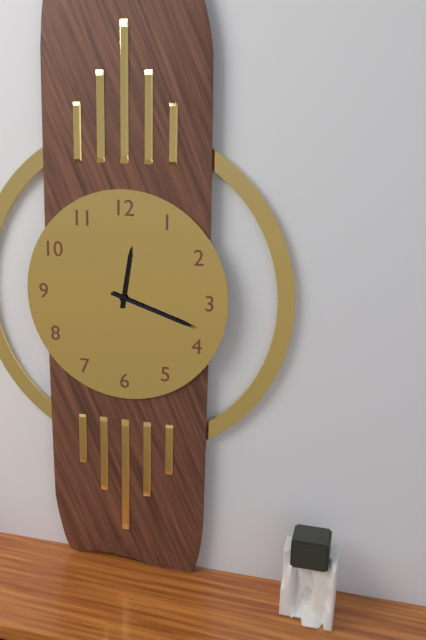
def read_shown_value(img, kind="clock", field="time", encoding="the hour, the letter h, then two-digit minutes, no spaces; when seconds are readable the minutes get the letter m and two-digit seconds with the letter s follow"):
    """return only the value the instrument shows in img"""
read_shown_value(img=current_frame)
12h18
